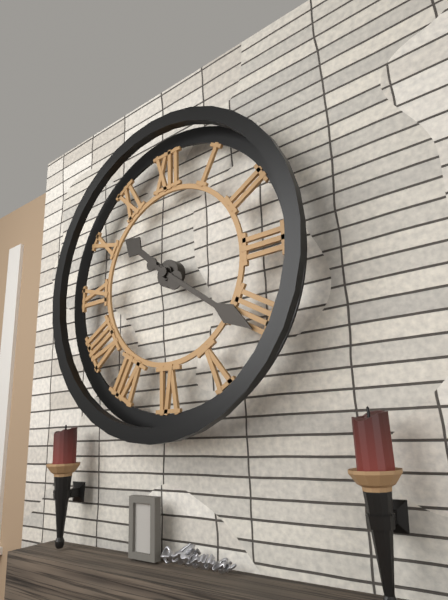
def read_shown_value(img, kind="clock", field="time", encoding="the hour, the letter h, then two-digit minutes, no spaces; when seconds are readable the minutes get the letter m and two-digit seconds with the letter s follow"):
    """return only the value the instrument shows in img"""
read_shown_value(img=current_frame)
10h21
